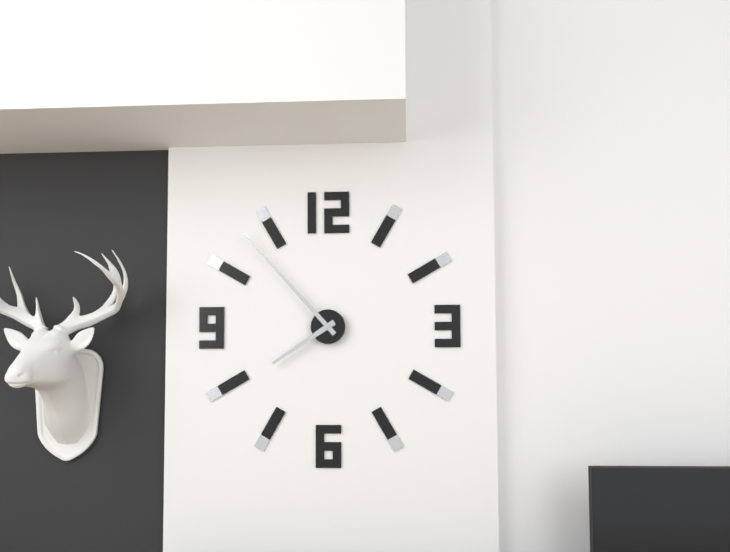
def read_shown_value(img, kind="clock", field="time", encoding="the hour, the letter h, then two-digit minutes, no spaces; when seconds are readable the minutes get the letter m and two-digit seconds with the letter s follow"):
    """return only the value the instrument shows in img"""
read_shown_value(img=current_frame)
7h53
